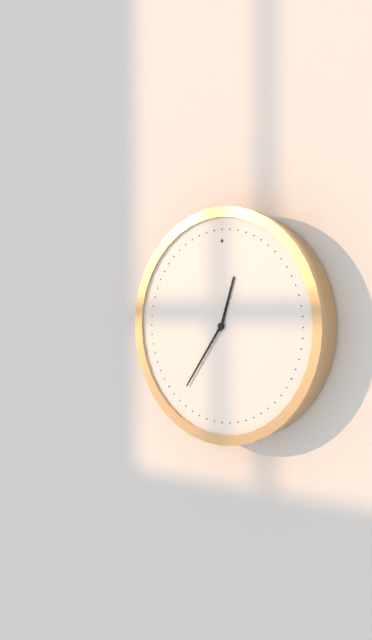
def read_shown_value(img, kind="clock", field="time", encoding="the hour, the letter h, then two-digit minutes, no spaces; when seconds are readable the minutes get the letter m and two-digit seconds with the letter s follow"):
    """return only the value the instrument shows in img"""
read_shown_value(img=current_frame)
12h36
